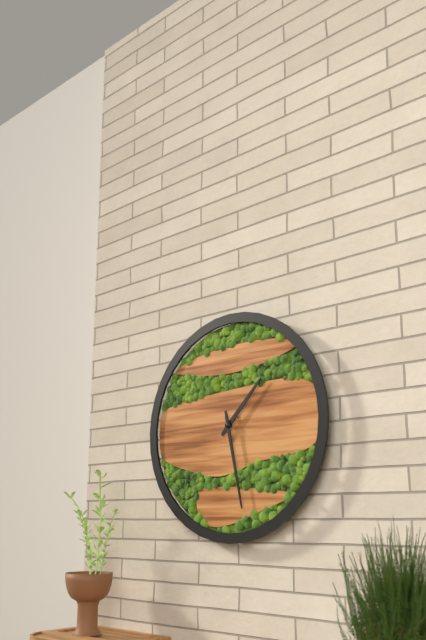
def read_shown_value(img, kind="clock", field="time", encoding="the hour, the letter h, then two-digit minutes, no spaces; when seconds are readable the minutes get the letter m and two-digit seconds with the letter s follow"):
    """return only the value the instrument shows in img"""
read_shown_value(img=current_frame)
1h28
